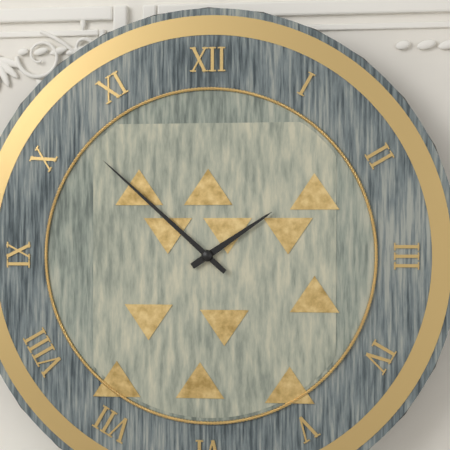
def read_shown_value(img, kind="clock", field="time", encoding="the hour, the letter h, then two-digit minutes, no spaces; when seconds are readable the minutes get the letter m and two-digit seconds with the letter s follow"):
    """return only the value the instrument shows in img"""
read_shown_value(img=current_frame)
1h52
